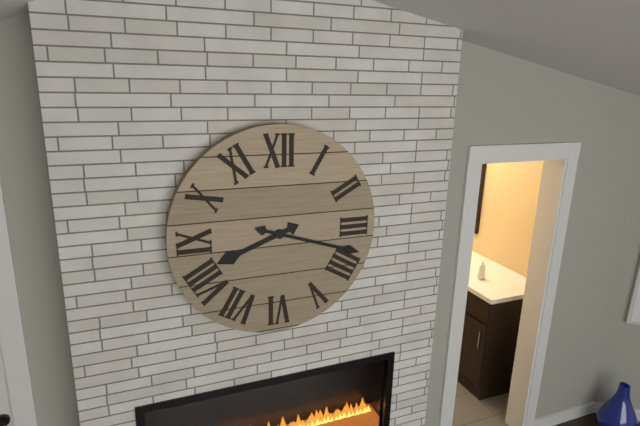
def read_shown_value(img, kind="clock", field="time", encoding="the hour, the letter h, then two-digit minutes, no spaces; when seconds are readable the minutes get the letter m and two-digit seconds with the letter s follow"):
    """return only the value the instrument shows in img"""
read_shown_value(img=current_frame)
8h18
